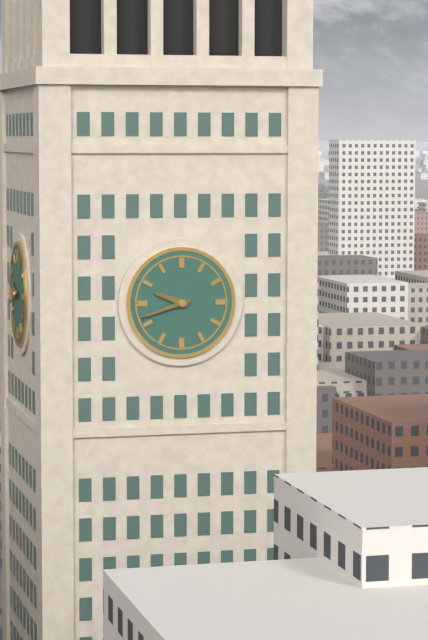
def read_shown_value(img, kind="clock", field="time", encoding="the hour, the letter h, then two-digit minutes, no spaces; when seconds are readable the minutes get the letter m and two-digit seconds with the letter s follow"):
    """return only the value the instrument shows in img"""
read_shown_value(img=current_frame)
9h42
